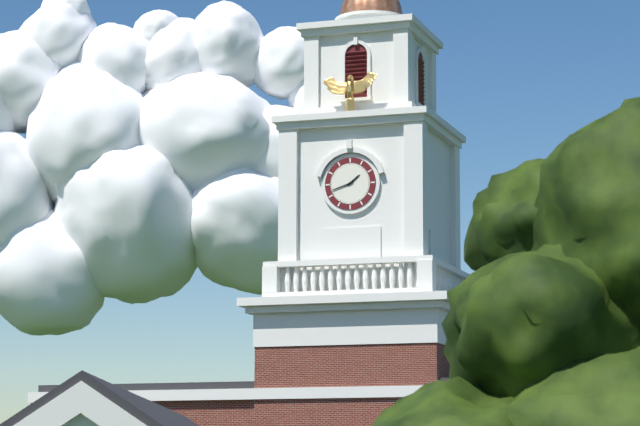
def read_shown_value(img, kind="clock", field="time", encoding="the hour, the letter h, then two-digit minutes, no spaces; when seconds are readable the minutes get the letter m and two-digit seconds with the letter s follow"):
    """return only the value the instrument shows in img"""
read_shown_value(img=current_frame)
1h42
